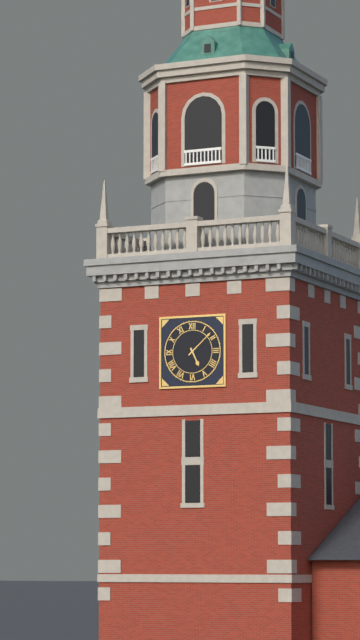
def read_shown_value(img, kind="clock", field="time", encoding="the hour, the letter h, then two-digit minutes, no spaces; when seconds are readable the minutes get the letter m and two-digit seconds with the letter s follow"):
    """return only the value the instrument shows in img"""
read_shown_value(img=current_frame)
5h08
